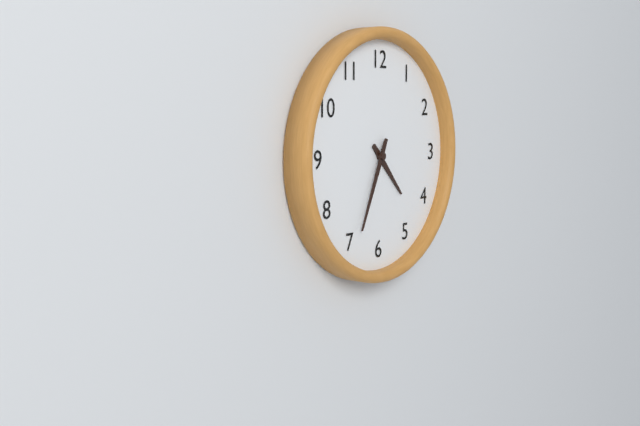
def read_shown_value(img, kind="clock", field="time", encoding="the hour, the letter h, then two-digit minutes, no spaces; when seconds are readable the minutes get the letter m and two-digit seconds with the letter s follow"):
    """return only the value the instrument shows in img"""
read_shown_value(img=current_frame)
4h34
